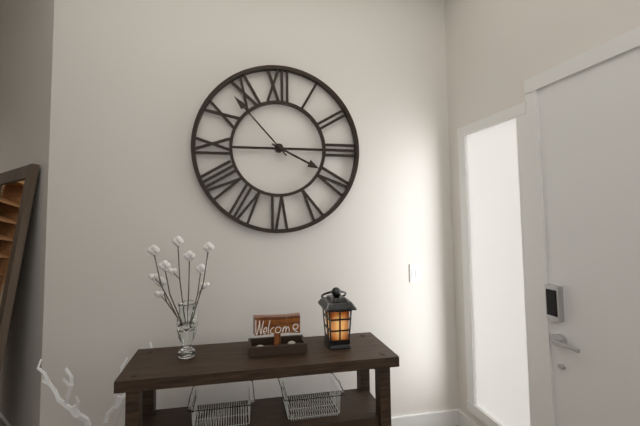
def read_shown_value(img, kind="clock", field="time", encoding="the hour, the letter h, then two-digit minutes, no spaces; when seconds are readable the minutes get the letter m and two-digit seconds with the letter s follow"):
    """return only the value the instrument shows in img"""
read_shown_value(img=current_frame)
3h53
